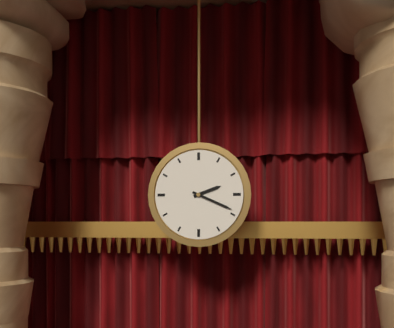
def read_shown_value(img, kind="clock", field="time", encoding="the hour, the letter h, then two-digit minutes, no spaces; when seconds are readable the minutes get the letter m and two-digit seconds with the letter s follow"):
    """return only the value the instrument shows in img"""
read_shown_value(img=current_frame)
2h19
